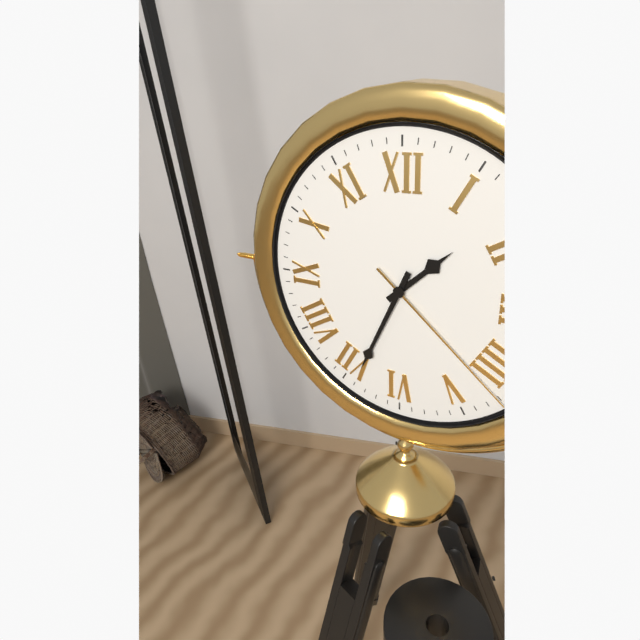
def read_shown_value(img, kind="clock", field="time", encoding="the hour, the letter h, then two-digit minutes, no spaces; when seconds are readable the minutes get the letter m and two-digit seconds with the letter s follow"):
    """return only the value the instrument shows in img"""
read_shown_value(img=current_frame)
1h34m22s
